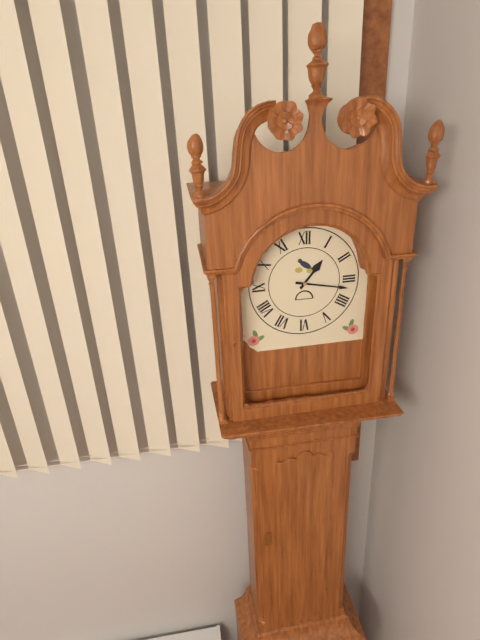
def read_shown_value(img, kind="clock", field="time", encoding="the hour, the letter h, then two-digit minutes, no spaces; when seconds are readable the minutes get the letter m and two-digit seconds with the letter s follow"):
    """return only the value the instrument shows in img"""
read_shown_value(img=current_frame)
1h17
